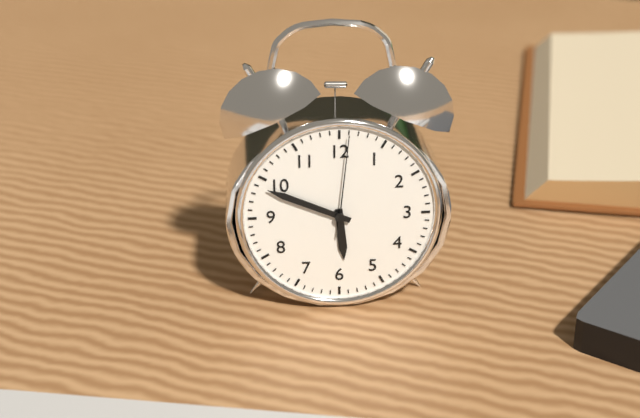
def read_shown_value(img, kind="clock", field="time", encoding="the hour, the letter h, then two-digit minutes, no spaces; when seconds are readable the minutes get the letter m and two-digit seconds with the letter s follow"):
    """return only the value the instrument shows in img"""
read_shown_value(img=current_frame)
5h49m01s
